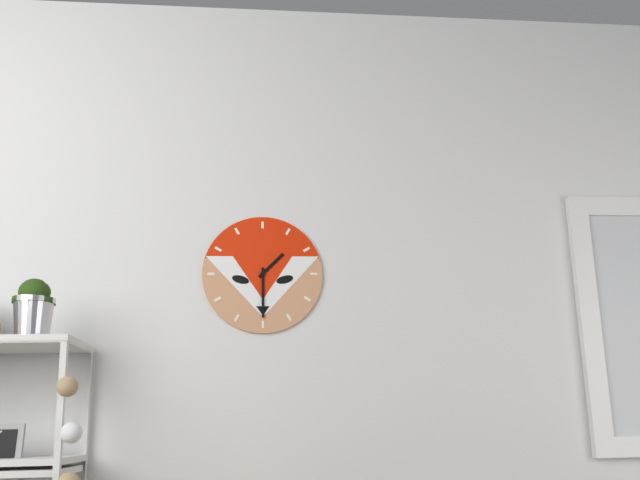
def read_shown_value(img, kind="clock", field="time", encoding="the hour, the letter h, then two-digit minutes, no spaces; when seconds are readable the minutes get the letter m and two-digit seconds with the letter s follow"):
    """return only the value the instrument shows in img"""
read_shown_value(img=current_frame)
1h30
